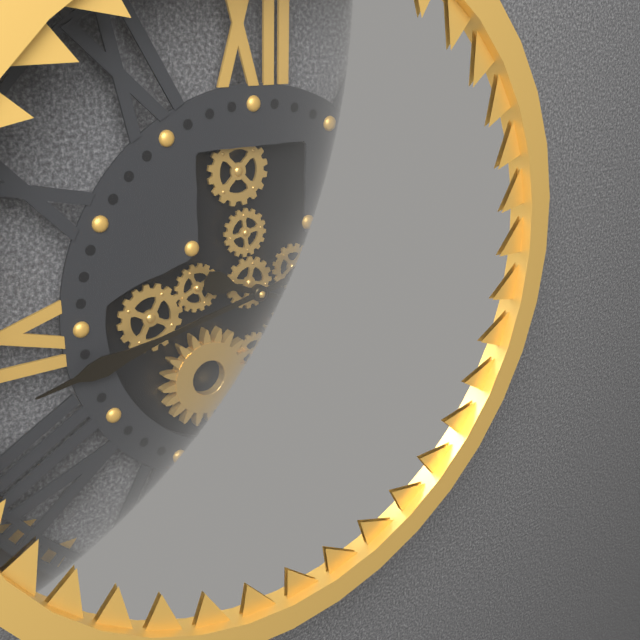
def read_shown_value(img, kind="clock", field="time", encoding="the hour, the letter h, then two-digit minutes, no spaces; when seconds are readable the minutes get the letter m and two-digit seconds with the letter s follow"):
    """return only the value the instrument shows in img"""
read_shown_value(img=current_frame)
3h43
